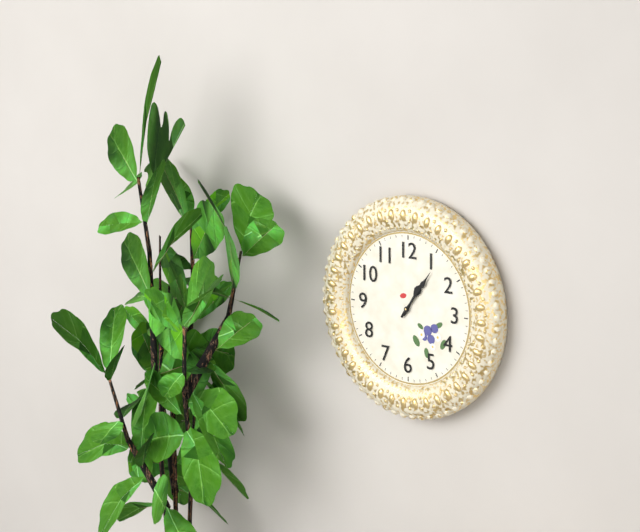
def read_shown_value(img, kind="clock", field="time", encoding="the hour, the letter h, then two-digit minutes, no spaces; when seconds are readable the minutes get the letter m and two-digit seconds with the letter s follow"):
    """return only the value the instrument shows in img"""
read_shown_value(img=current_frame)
1h06
